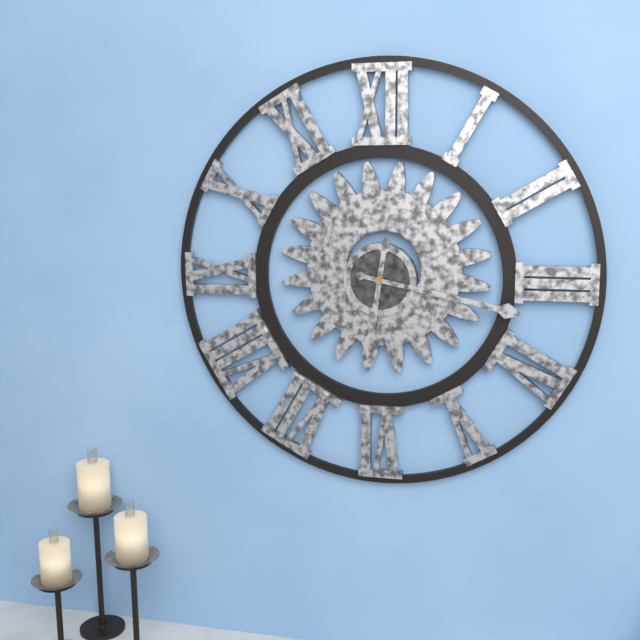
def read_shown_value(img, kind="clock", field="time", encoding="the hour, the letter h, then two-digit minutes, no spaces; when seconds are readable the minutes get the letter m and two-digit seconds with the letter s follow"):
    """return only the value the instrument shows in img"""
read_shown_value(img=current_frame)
6h17
